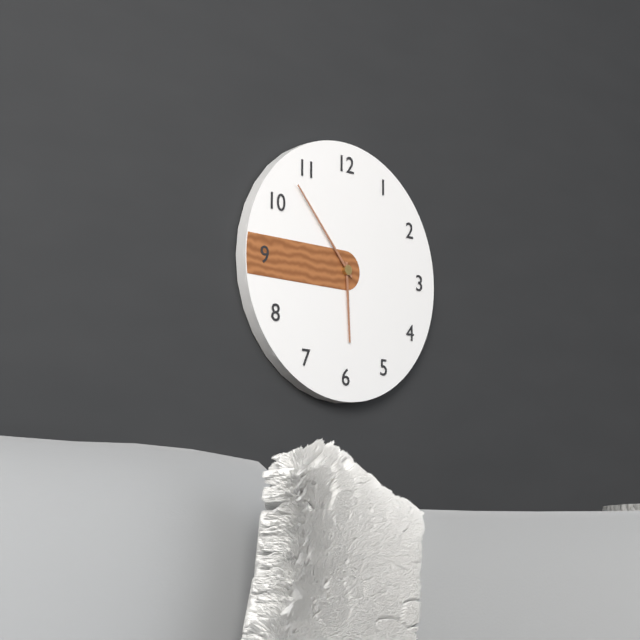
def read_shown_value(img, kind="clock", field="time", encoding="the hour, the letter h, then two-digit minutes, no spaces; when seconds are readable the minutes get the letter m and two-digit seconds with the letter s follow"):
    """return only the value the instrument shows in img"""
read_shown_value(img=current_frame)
5h53
